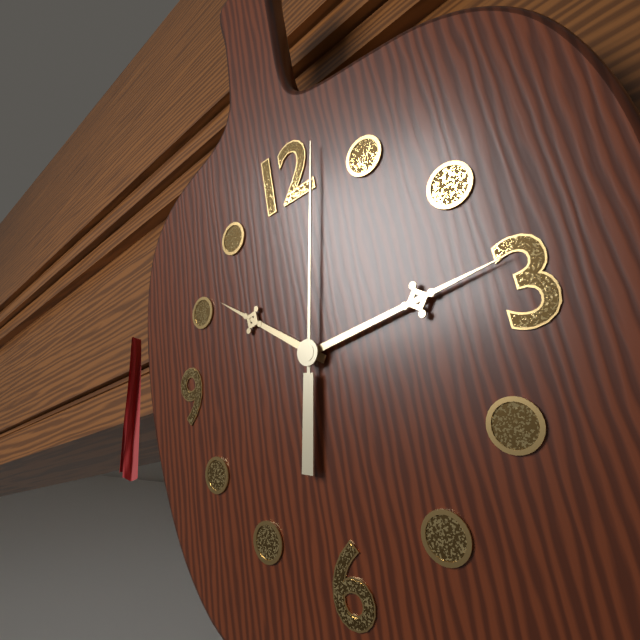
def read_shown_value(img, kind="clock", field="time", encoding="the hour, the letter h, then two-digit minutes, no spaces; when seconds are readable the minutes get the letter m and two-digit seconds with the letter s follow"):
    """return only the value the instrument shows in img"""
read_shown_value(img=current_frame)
10h14m02s
